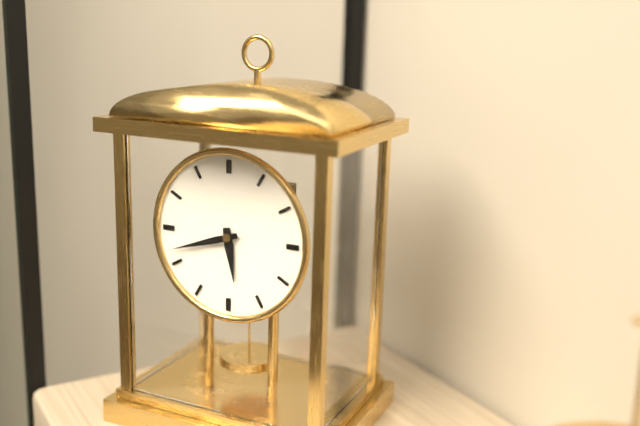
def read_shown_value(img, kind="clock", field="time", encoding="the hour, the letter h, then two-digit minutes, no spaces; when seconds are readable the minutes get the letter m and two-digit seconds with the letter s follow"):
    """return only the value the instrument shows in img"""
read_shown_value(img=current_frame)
5h42
